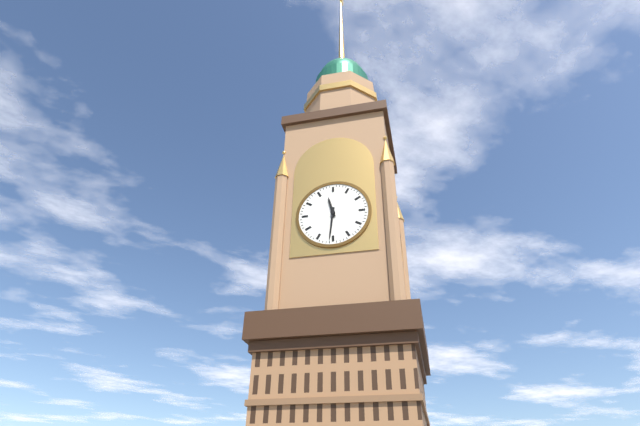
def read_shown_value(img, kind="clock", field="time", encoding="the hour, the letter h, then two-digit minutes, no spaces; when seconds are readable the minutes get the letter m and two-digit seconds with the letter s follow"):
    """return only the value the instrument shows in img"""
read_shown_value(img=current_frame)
11h31
